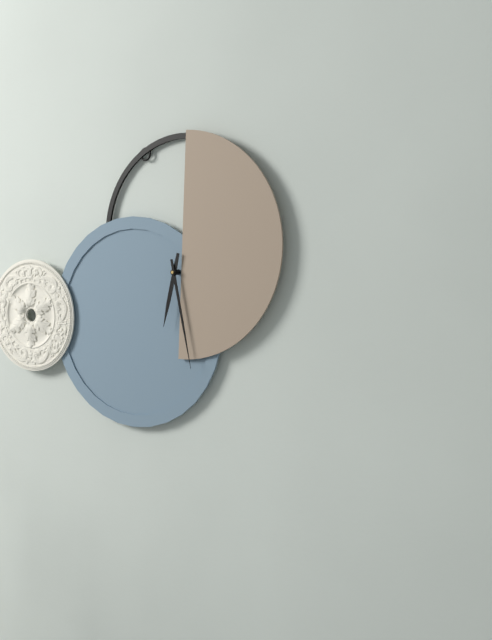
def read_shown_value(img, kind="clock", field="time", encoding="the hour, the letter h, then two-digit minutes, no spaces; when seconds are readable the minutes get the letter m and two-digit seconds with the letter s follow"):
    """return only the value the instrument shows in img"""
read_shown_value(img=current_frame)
6h28
